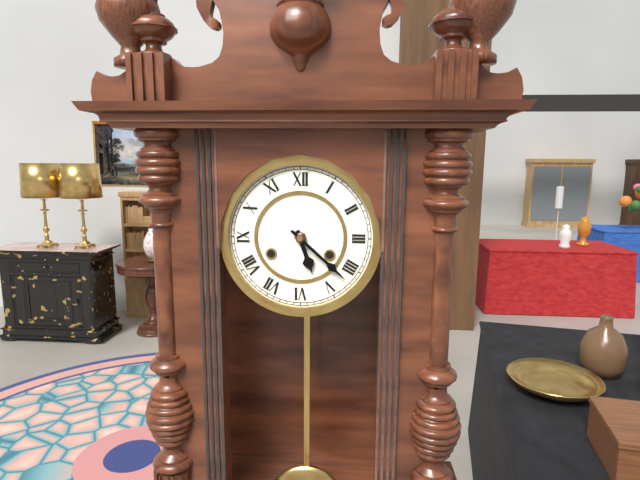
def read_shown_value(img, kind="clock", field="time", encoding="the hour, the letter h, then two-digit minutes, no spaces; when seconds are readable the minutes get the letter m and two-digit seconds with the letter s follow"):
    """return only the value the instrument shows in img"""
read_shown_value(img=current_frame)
5h22
